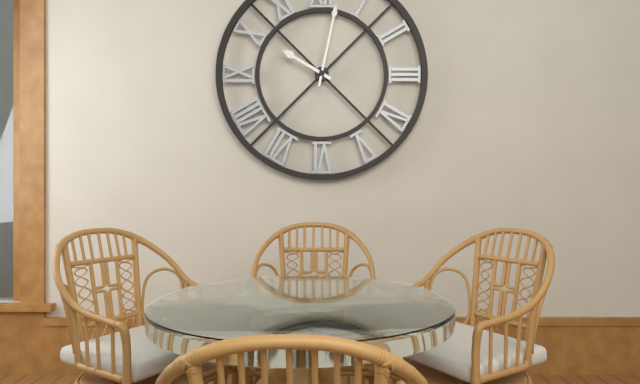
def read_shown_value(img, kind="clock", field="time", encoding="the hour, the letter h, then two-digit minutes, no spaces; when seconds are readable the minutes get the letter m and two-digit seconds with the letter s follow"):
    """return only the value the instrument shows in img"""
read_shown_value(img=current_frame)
10h02
